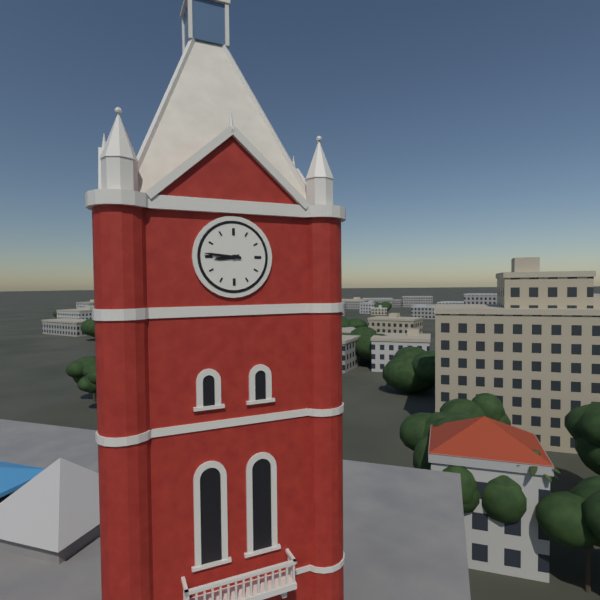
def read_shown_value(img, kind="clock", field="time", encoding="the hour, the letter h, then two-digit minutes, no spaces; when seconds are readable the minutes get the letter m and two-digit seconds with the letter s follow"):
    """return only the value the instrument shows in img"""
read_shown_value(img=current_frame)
8h46
